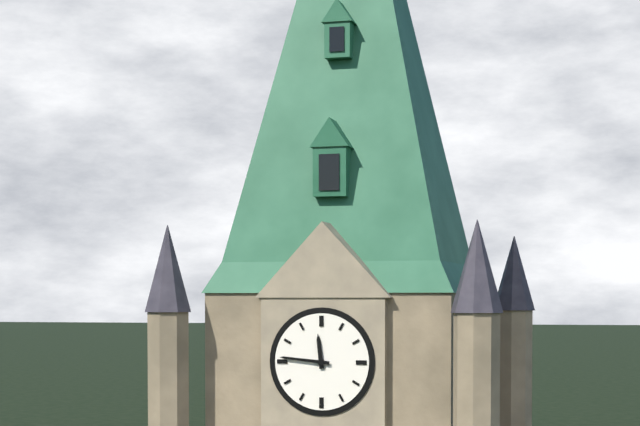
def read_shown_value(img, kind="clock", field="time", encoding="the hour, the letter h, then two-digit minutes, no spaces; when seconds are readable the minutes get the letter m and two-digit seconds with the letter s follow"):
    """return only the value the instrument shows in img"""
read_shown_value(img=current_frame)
11h46
